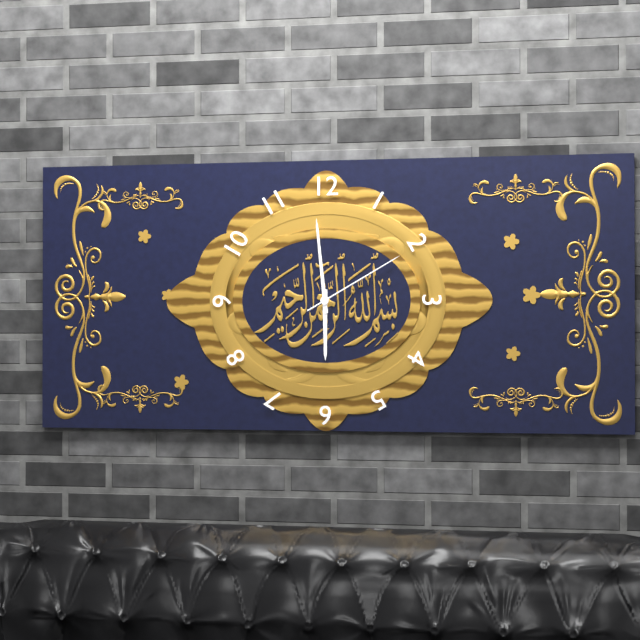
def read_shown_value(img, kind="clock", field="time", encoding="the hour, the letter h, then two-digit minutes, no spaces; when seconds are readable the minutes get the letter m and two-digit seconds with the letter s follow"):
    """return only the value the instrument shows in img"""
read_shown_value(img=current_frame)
5h59m10s
